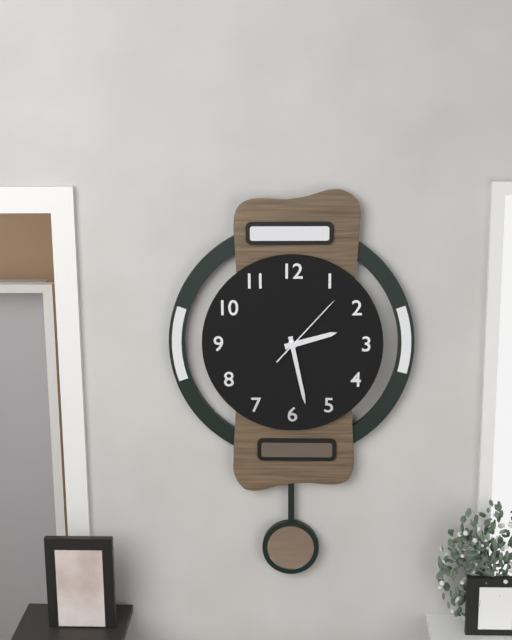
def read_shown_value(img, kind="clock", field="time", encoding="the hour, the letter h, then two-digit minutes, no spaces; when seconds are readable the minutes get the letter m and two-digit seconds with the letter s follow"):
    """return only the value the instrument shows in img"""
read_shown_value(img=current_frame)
2h28m07s
